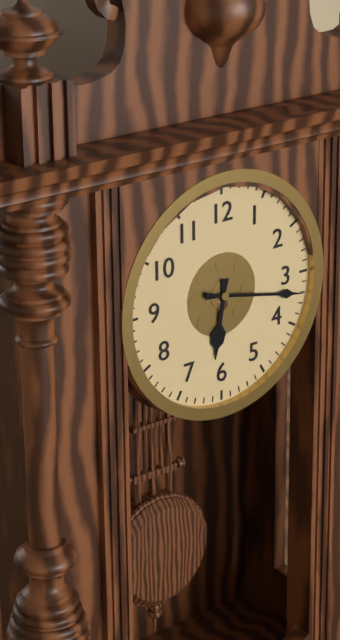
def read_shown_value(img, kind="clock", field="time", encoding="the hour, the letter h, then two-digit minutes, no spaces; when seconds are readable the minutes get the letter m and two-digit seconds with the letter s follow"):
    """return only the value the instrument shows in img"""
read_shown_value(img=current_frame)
6h17
